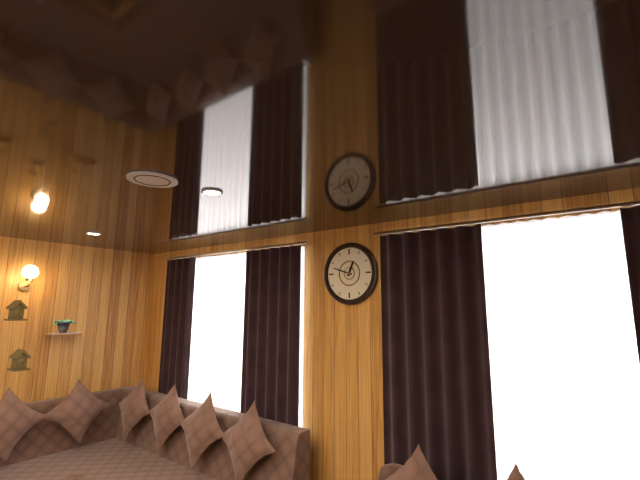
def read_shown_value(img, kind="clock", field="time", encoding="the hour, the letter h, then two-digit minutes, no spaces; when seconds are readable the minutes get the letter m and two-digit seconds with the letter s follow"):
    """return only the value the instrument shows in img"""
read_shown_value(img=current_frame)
12h48
